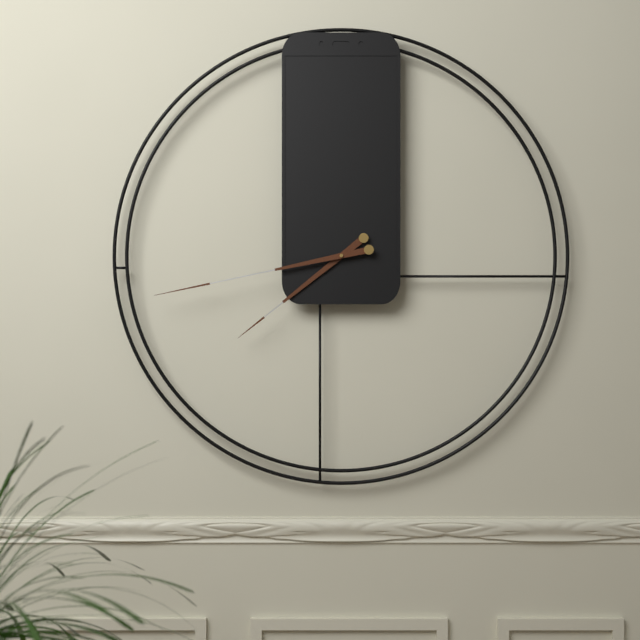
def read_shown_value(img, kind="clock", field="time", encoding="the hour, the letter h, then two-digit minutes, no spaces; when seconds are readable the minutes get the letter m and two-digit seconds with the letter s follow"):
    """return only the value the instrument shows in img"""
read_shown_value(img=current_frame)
7h43
